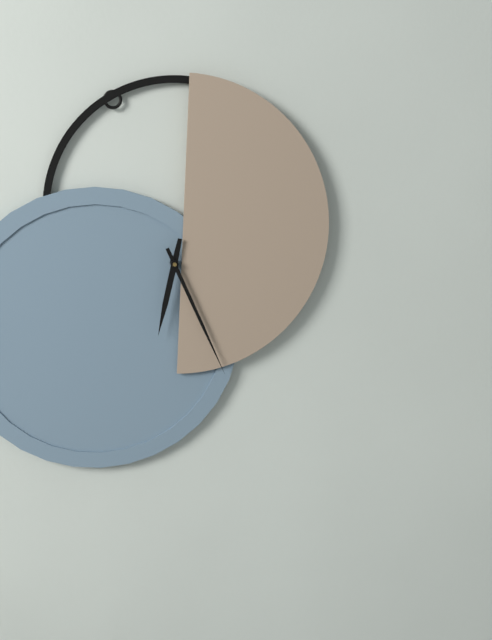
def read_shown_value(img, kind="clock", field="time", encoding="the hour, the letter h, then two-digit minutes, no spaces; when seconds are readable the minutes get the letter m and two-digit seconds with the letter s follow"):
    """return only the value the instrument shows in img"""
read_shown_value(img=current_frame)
6h26
